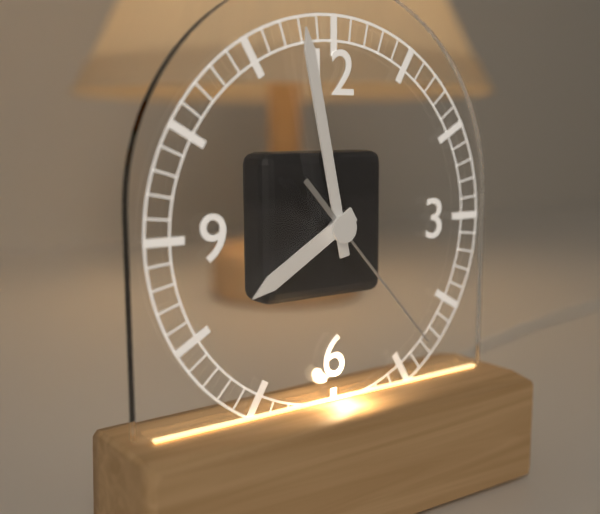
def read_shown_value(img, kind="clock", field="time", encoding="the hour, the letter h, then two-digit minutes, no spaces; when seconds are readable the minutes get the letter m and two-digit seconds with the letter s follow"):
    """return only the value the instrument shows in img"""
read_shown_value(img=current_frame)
7h58m23s
